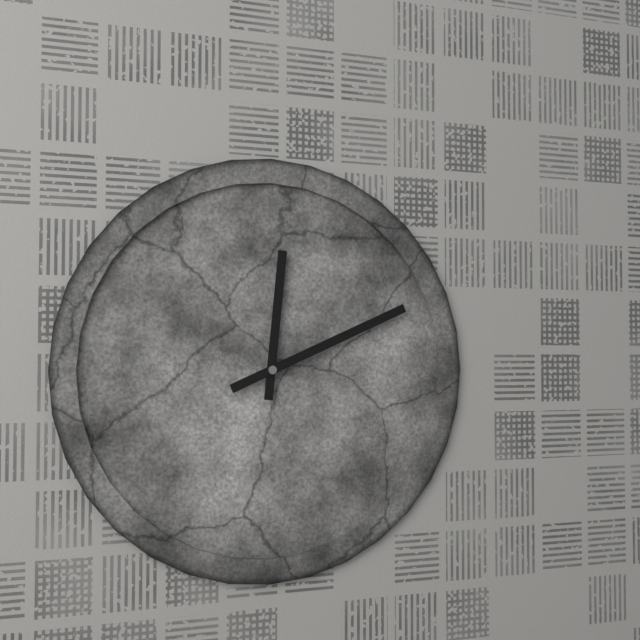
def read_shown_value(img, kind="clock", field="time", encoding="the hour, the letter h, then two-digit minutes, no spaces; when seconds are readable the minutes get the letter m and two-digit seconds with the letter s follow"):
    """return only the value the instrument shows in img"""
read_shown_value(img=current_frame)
12h11
